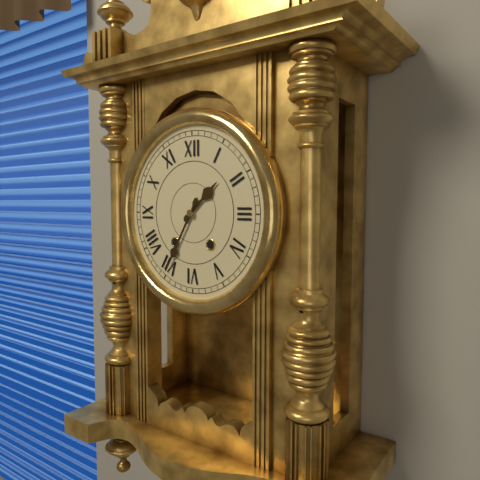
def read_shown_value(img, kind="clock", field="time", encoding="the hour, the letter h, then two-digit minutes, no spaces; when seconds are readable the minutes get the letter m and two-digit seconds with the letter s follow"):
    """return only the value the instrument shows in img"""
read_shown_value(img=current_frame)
1h35
